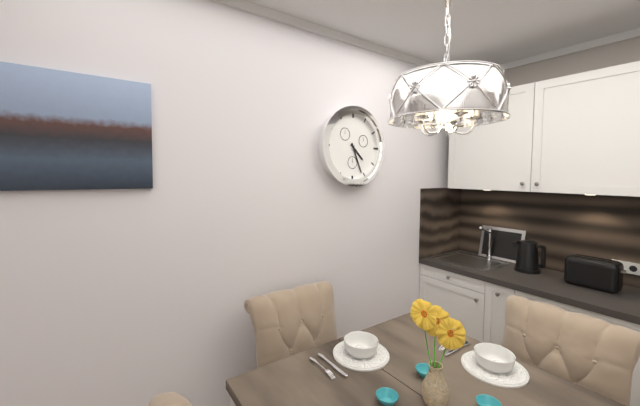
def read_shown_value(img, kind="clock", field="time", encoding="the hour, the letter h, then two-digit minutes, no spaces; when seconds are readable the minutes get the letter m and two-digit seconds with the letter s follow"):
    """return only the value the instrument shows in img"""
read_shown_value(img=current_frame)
4h26
